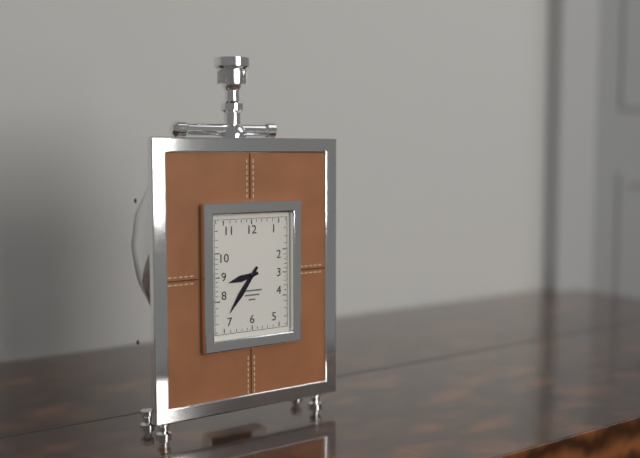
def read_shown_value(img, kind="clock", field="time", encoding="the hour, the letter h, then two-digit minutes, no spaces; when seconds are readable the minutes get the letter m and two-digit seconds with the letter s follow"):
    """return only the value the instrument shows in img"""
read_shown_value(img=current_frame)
8h36
